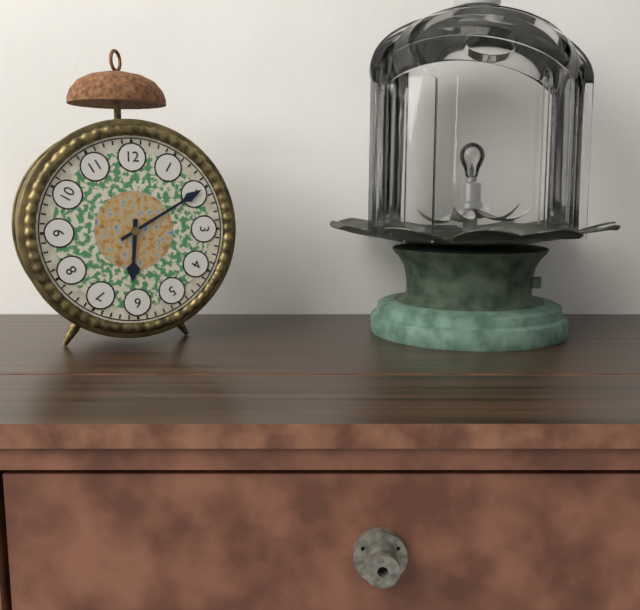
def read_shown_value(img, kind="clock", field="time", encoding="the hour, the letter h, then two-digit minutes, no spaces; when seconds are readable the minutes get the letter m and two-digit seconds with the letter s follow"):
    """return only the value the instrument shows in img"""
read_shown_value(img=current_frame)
6h10
